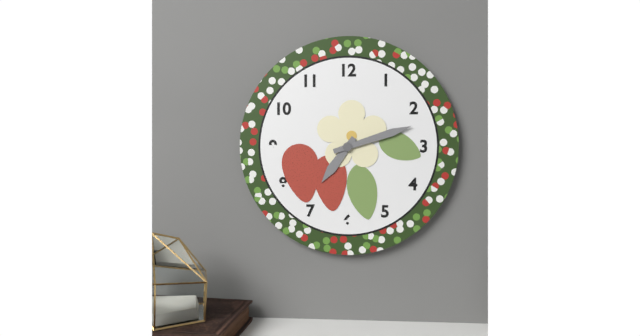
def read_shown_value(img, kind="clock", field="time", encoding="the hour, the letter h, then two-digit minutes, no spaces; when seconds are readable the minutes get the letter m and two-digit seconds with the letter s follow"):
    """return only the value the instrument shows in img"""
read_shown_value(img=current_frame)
7h12
